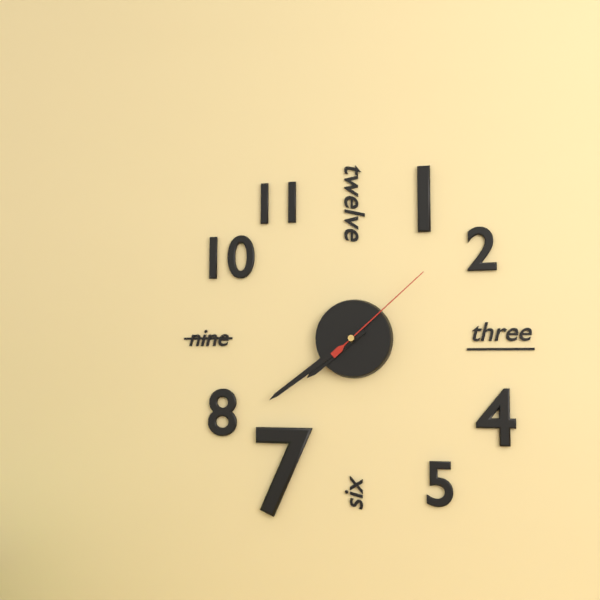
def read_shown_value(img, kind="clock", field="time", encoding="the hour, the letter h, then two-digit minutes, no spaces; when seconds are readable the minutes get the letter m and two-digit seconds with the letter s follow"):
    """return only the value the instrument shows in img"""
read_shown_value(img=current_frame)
7h39m08s
